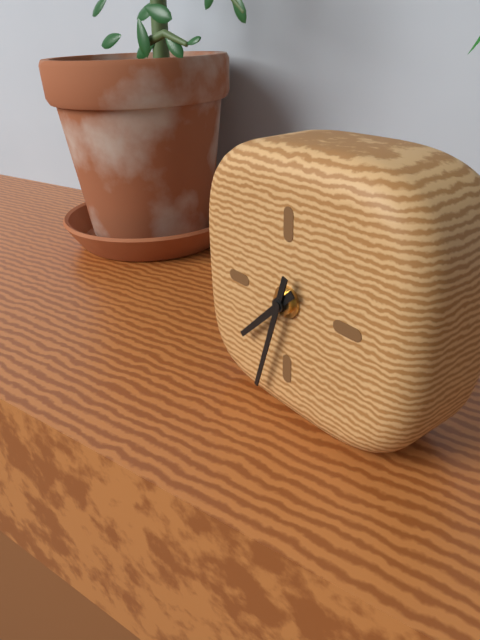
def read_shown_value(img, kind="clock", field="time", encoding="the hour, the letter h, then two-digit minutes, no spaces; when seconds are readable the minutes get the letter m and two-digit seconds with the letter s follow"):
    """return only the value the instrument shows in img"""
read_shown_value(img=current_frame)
7h33
